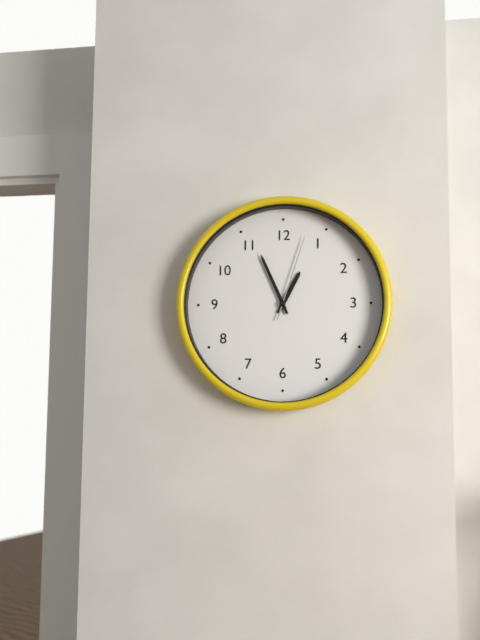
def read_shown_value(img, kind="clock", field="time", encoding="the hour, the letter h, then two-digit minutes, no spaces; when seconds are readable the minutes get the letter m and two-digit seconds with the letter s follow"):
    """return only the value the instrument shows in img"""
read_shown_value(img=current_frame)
12h56m03s
